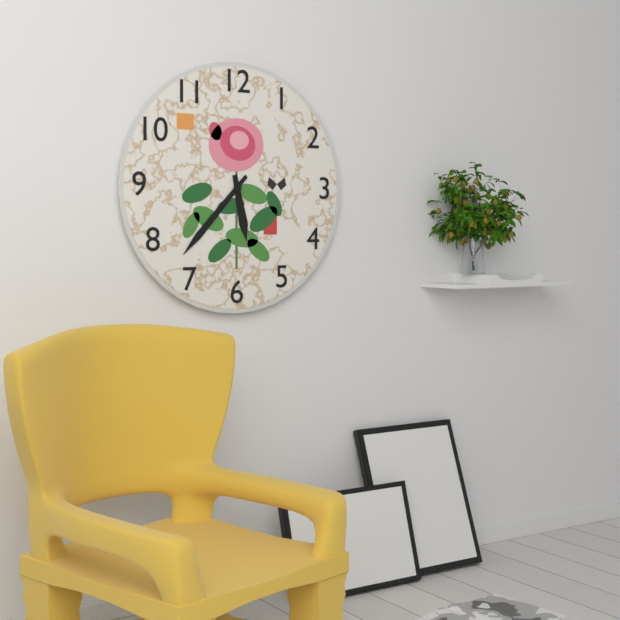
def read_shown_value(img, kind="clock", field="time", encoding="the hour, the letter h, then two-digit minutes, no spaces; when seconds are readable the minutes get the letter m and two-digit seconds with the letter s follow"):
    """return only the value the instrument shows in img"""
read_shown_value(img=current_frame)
5h37
